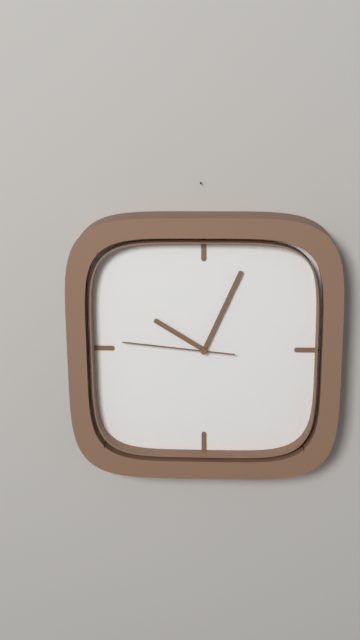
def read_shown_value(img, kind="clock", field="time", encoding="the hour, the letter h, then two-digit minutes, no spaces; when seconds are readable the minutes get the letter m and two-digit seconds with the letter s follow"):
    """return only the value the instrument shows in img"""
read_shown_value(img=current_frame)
10h04m46s
